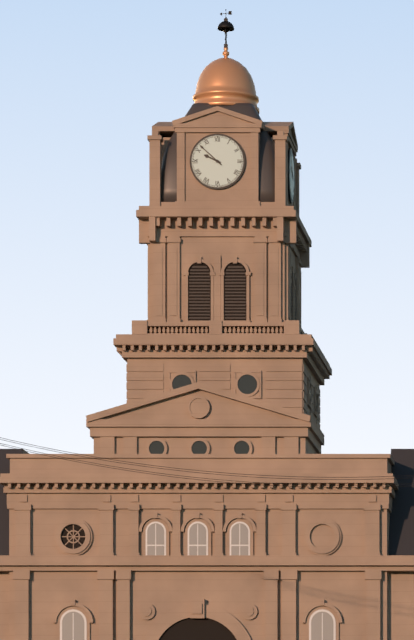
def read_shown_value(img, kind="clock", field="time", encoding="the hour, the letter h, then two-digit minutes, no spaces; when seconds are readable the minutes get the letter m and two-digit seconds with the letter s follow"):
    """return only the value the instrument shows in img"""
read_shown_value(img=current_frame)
9h52
